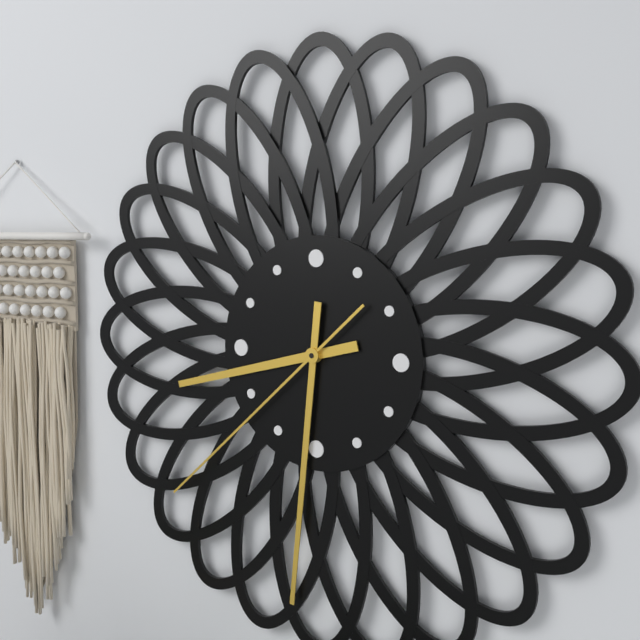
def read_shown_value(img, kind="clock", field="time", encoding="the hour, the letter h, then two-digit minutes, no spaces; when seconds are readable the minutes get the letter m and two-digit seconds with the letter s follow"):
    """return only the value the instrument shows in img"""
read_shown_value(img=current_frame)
8h31m38s
